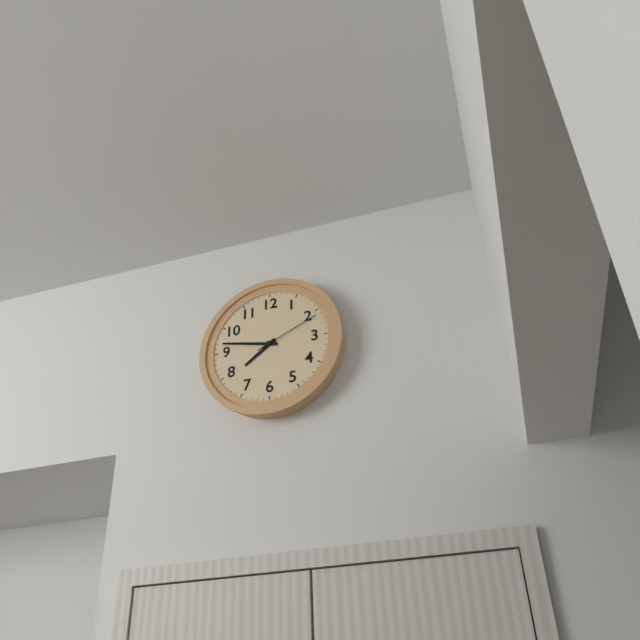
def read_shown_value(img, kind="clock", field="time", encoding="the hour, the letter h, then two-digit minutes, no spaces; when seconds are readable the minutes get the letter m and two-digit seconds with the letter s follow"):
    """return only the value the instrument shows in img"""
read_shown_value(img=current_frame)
7h47m11s
